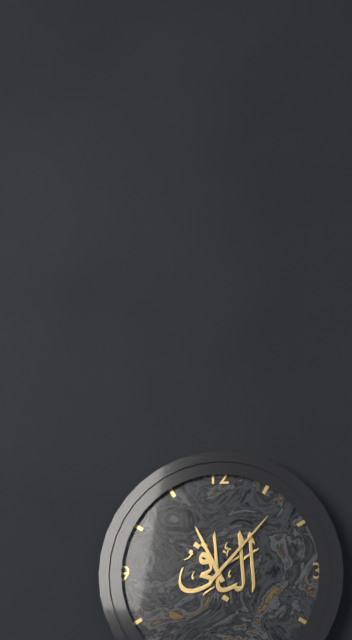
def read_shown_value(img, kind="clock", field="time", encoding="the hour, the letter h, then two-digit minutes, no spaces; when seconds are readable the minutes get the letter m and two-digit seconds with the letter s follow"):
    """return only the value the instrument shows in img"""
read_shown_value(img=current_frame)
11h07
